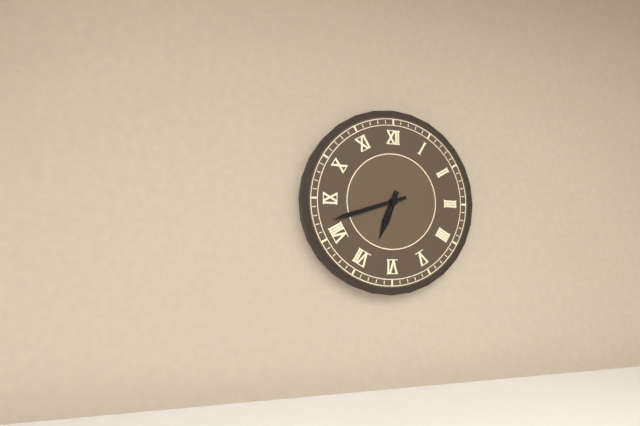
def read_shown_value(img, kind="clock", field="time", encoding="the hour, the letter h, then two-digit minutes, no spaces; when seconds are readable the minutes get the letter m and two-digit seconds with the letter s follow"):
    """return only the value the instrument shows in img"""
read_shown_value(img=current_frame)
6h42
